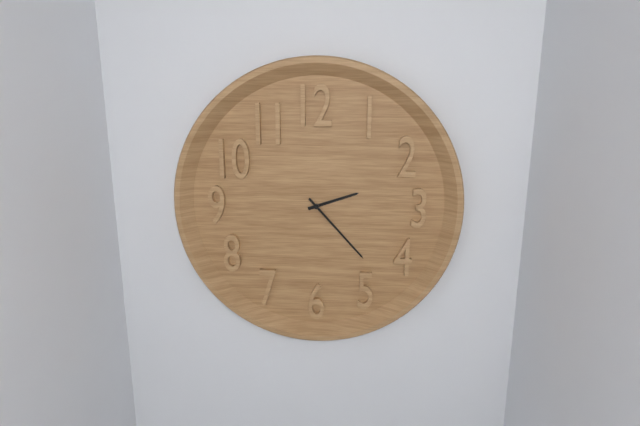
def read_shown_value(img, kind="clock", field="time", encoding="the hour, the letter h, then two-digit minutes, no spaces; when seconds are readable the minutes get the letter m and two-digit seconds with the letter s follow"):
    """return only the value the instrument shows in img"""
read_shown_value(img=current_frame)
2h23
